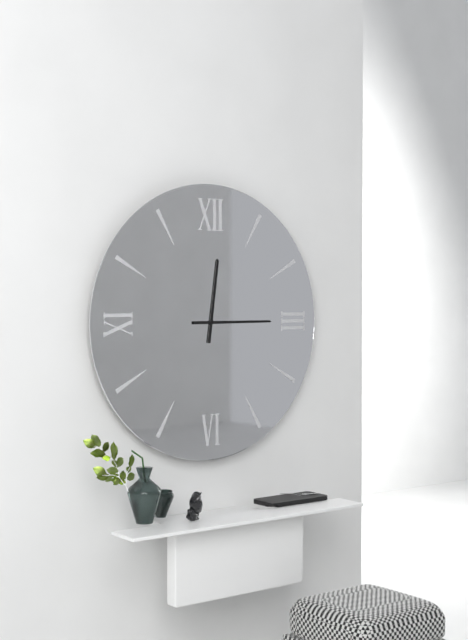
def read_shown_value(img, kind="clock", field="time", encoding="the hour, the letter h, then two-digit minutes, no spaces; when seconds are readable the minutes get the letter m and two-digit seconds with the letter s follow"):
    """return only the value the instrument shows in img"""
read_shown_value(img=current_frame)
12h15
